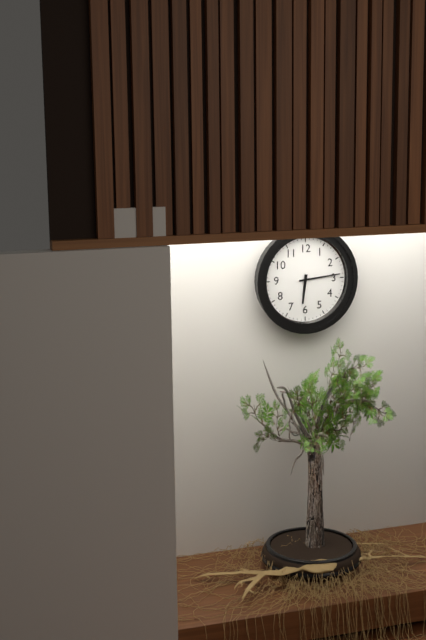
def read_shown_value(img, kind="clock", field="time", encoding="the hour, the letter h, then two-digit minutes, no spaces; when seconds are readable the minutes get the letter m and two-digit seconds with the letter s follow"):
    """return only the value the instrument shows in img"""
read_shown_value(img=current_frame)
6h14
